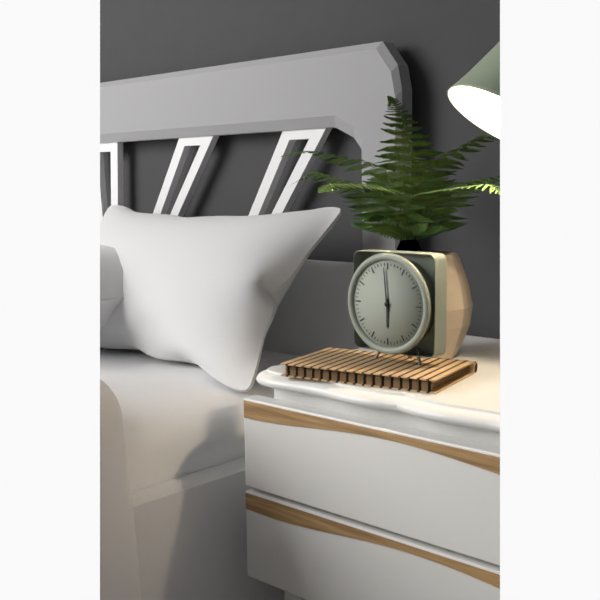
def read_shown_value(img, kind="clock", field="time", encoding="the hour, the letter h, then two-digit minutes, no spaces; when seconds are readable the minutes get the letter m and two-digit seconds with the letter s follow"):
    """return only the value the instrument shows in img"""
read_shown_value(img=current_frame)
5h59
